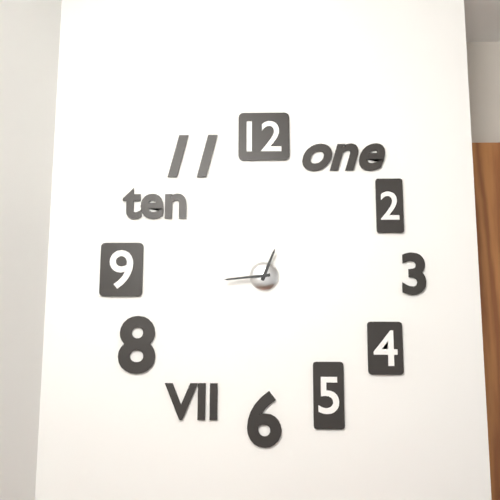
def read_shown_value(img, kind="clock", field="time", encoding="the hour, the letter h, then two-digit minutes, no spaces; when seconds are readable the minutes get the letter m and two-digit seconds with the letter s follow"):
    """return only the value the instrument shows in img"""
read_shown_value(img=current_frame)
12h44
